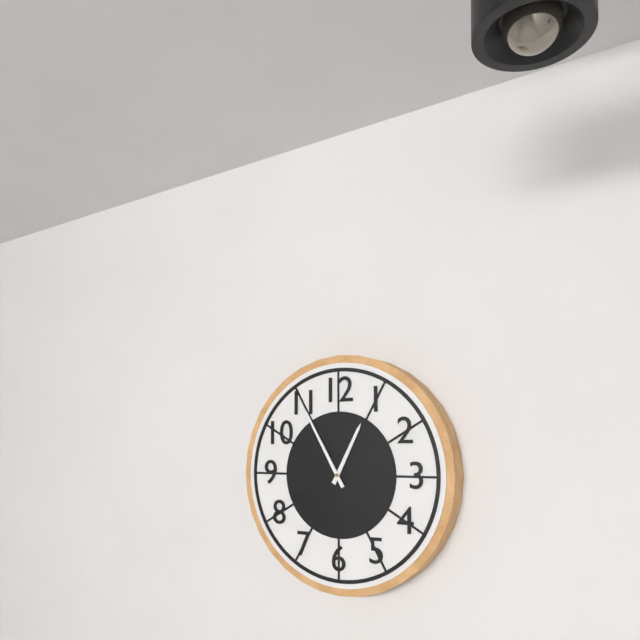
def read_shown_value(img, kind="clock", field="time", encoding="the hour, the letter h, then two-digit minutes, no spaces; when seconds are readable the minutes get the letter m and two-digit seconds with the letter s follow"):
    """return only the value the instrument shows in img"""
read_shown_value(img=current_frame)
12h55
